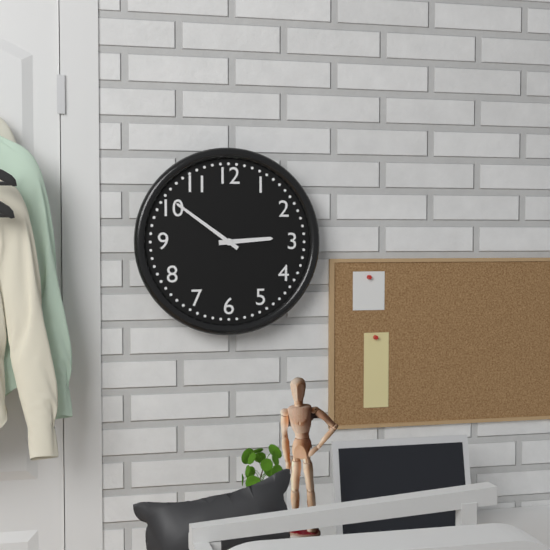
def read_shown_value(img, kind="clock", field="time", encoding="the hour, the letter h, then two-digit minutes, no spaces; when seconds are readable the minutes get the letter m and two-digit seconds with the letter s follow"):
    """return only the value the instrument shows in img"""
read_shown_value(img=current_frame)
2h51
